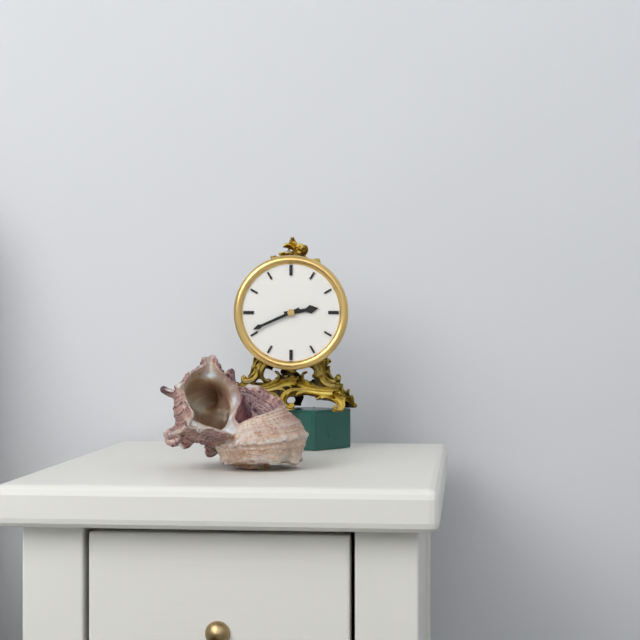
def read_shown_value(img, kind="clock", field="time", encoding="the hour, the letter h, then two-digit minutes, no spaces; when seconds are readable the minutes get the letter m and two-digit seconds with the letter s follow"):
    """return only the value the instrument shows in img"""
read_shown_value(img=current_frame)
2h41
